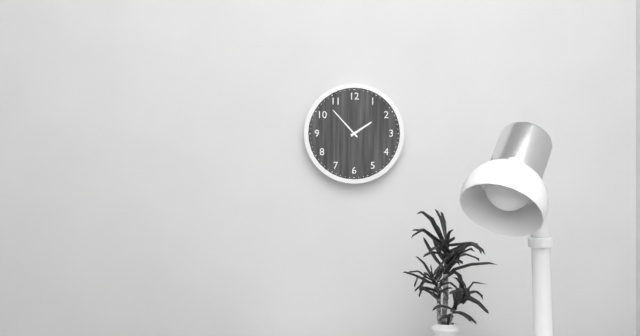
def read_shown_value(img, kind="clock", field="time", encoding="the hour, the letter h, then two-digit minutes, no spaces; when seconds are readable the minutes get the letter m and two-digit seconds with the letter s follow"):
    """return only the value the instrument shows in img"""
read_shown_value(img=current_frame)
1h53
